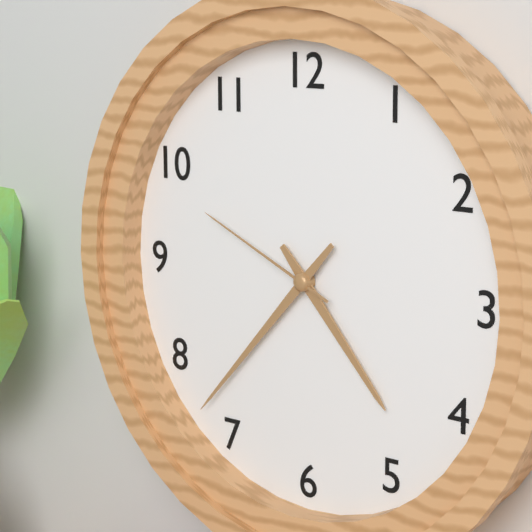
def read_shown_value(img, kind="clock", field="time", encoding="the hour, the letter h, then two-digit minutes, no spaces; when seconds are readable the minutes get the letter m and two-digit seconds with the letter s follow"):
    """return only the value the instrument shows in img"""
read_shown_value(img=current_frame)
4h37m49s
